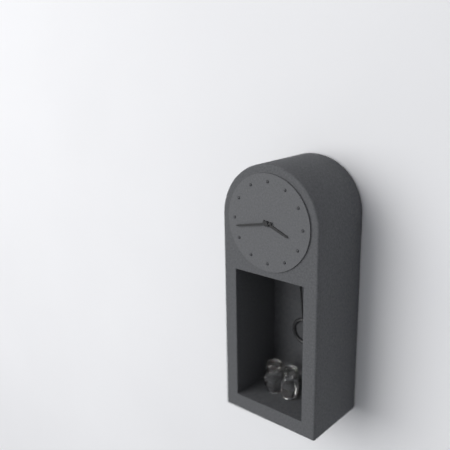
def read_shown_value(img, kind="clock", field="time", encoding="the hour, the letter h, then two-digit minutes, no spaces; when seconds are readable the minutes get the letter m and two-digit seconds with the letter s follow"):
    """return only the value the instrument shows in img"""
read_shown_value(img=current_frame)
3h43
